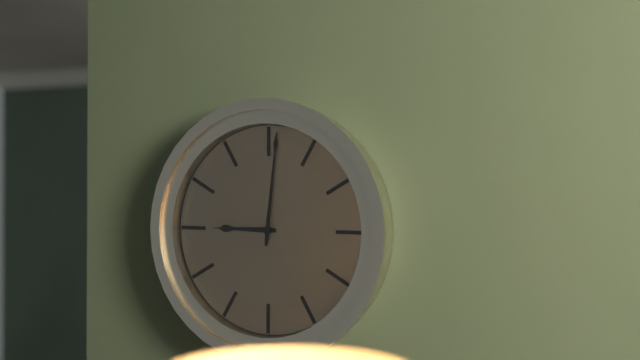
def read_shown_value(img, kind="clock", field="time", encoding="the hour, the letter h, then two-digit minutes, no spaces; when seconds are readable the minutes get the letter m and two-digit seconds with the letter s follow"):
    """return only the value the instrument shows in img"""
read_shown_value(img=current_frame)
9h01
